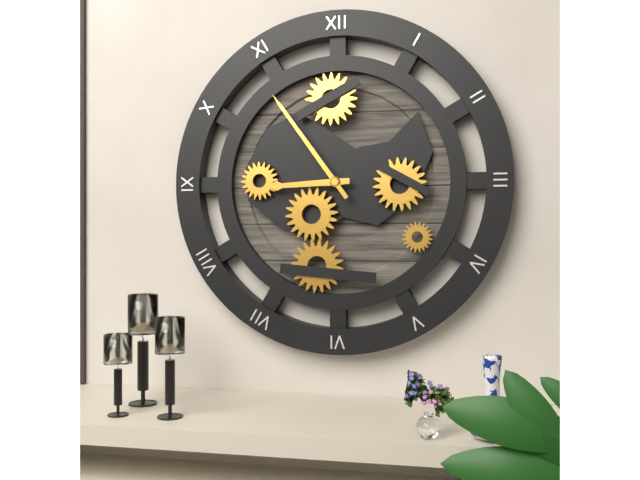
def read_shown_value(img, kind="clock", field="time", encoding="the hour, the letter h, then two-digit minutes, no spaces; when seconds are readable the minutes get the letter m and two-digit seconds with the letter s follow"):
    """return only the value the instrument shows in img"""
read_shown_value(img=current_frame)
8h54
